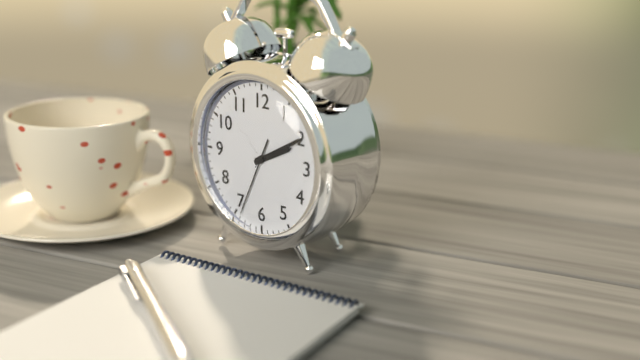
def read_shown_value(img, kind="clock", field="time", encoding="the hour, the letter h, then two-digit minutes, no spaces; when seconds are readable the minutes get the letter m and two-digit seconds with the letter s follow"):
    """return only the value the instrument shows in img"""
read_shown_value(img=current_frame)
2h10m34s
